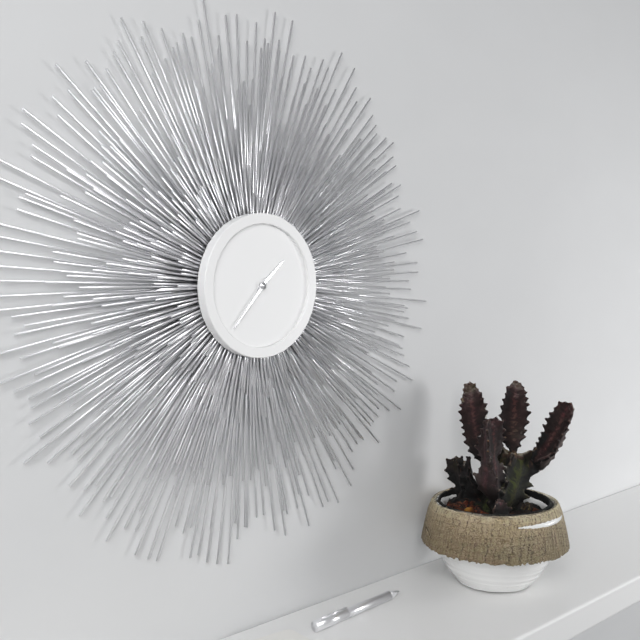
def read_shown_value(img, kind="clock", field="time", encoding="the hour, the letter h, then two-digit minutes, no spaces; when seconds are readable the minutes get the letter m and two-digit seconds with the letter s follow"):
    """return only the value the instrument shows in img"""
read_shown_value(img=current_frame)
1h37
